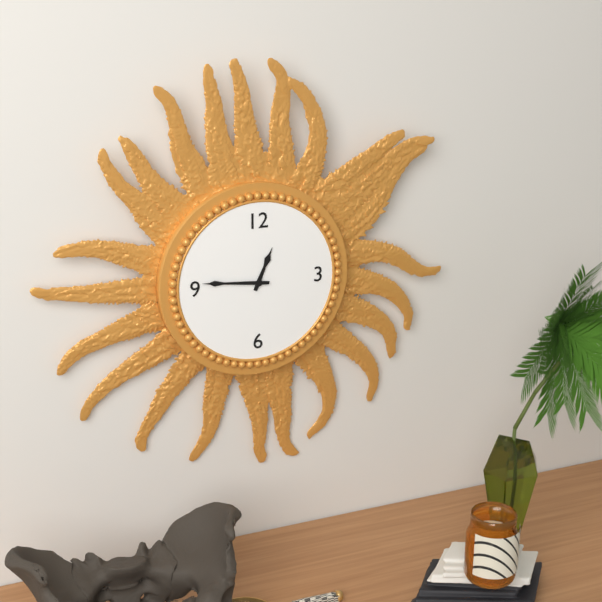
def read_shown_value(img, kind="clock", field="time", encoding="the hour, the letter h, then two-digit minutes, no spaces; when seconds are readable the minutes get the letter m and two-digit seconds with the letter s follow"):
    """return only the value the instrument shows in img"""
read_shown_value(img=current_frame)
12h46
